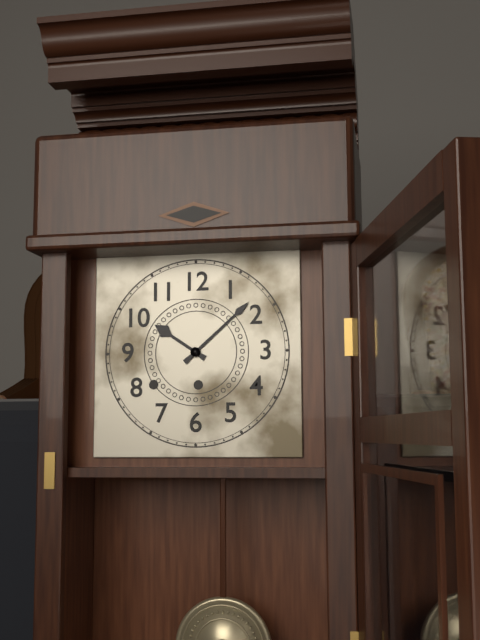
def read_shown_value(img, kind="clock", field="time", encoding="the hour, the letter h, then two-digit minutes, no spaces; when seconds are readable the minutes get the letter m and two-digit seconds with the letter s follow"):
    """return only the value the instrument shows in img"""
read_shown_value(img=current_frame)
10h08
